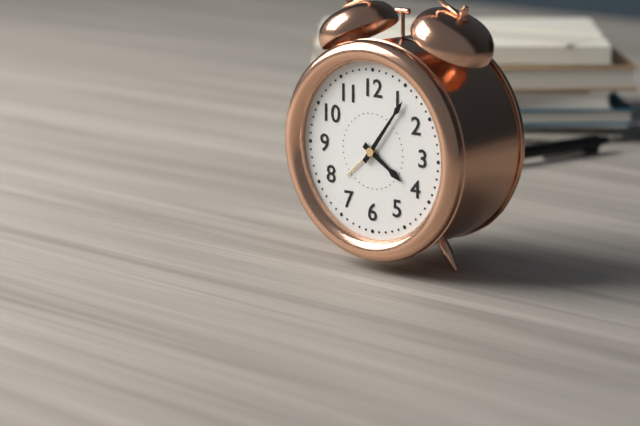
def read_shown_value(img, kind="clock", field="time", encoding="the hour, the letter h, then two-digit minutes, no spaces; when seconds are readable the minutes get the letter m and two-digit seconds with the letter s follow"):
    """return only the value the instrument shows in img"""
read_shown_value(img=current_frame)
4h06
